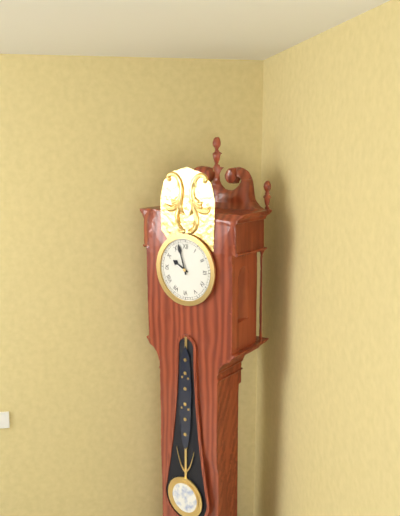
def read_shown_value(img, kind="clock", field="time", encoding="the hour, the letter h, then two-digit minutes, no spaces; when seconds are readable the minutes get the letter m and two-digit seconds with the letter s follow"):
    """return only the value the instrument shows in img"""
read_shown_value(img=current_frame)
9h57
